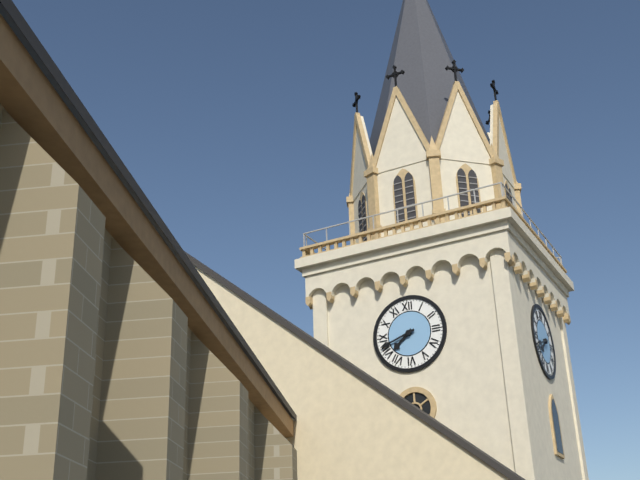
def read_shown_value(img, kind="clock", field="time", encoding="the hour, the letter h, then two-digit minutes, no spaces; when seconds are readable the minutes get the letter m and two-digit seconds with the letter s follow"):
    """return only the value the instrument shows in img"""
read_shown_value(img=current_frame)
7h42
